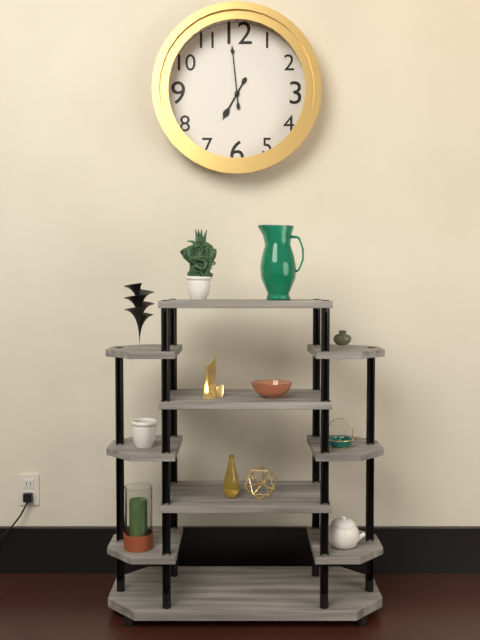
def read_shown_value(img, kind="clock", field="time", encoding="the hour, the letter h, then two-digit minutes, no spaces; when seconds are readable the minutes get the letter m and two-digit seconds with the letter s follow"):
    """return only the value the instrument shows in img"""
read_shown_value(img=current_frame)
6h59
